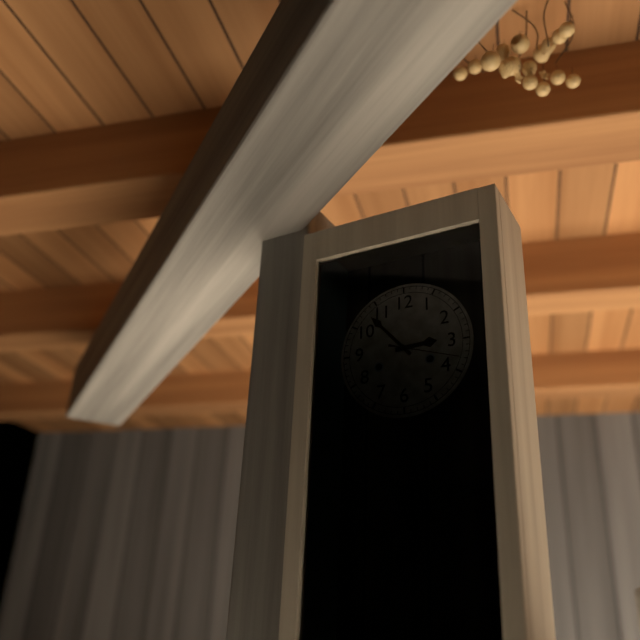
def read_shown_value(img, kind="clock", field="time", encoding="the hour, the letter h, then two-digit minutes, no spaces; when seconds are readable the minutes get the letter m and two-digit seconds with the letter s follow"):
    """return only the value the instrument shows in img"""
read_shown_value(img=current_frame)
2h53m18s
